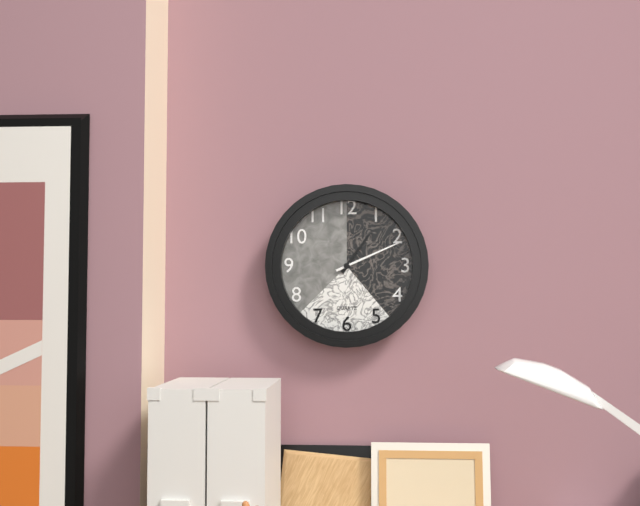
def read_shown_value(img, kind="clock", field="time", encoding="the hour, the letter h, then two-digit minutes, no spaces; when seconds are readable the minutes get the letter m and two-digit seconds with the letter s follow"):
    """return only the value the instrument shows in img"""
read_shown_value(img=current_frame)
1h11
